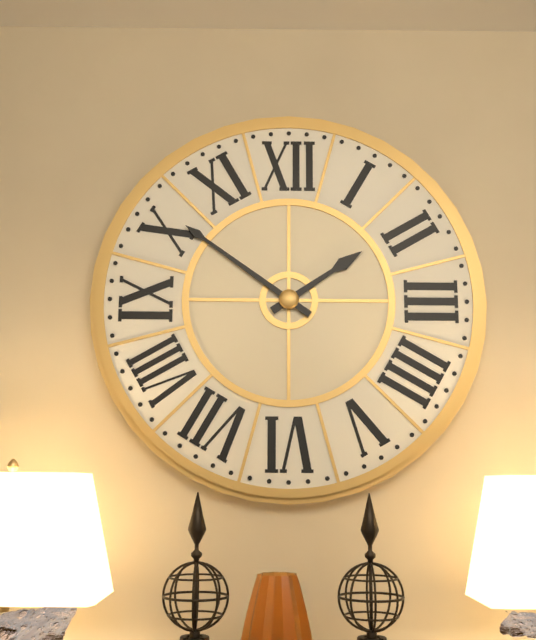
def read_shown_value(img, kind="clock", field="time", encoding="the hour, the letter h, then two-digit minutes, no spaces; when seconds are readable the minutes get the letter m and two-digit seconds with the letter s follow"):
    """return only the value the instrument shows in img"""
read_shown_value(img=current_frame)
1h51
